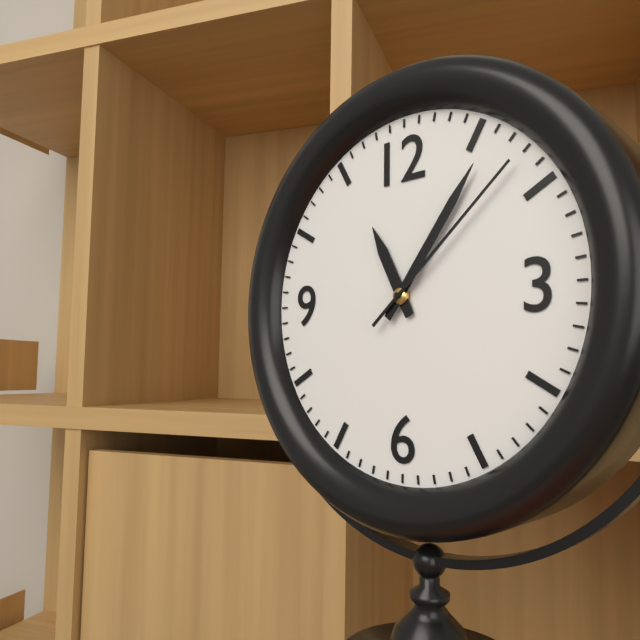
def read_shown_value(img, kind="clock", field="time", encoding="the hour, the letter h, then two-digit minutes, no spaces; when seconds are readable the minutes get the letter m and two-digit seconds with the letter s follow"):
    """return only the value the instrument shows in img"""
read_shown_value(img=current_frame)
11h06m08s
